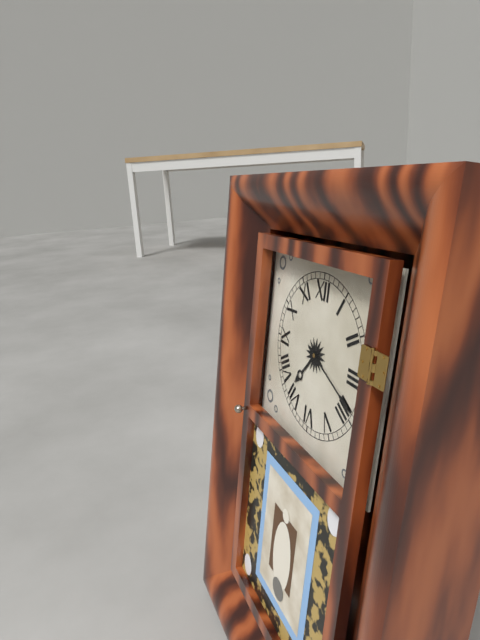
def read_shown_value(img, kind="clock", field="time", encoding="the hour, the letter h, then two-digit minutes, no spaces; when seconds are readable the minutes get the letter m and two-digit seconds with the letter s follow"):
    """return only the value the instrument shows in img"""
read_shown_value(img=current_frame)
7h19
